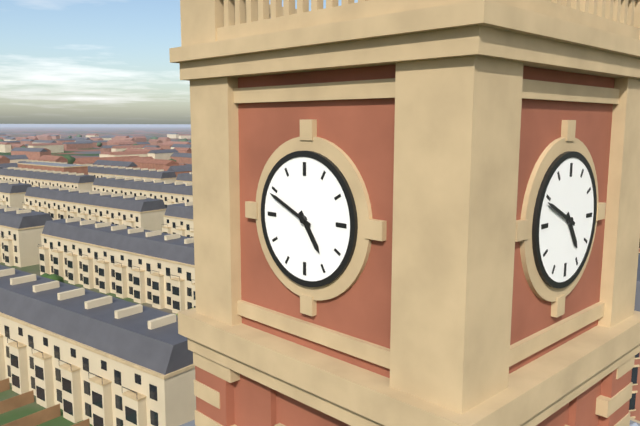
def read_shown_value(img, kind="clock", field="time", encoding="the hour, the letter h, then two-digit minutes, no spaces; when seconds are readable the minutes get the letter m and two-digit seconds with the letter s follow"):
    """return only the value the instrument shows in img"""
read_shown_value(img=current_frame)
4h49
